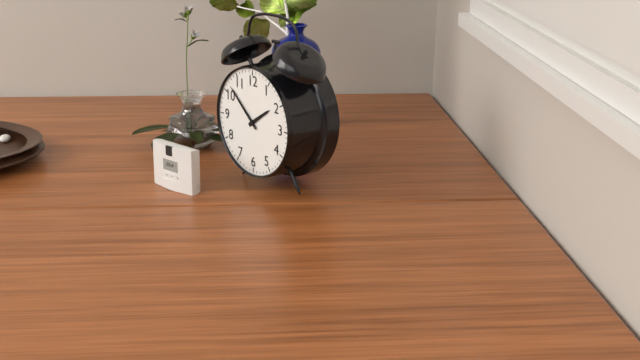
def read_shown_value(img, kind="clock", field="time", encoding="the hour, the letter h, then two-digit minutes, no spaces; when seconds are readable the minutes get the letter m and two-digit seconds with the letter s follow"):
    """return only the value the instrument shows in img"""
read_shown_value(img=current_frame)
1h52
